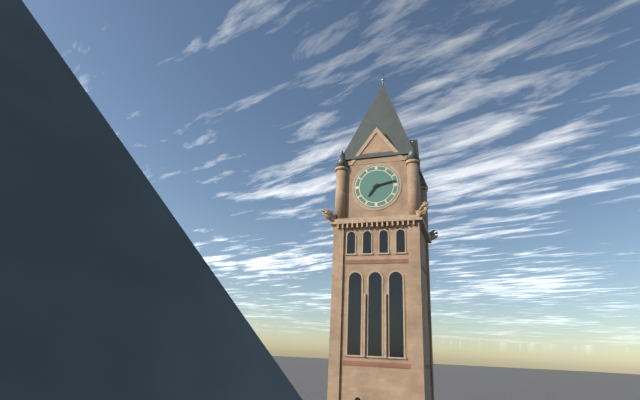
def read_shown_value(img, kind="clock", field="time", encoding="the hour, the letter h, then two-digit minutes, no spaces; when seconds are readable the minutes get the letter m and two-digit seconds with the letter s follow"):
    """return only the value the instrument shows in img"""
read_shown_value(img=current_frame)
7h13
